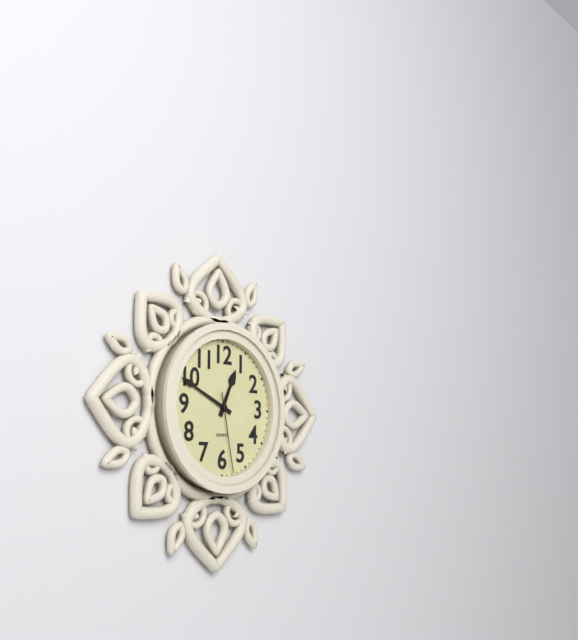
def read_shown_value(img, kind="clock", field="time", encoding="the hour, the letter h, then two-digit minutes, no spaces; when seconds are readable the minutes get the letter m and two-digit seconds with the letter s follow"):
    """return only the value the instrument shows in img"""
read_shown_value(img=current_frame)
12h49m28s
